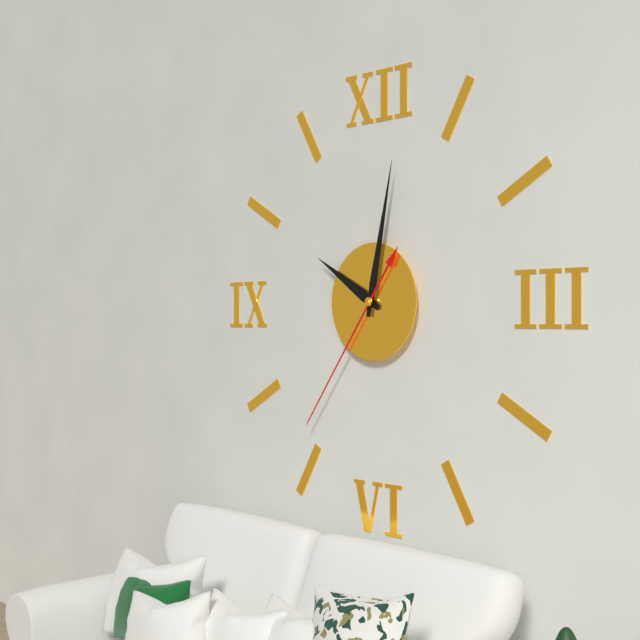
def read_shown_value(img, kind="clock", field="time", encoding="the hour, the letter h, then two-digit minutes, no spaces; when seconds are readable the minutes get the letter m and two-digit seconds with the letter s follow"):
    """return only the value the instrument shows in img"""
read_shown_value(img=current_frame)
10h02m36s
